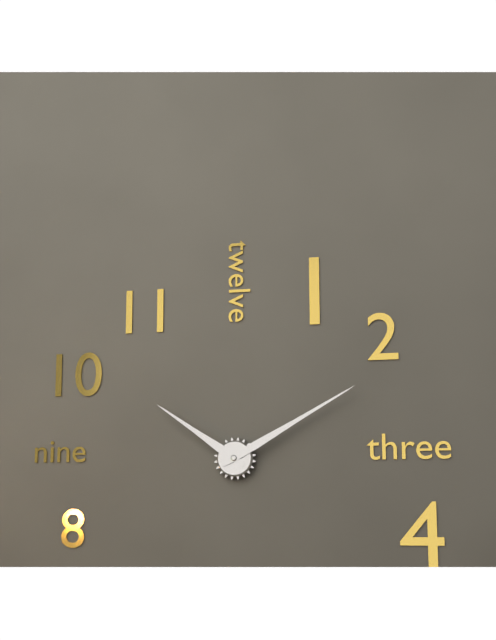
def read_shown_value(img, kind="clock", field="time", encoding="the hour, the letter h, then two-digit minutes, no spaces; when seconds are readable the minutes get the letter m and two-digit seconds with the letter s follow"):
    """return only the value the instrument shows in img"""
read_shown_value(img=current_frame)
10h10
